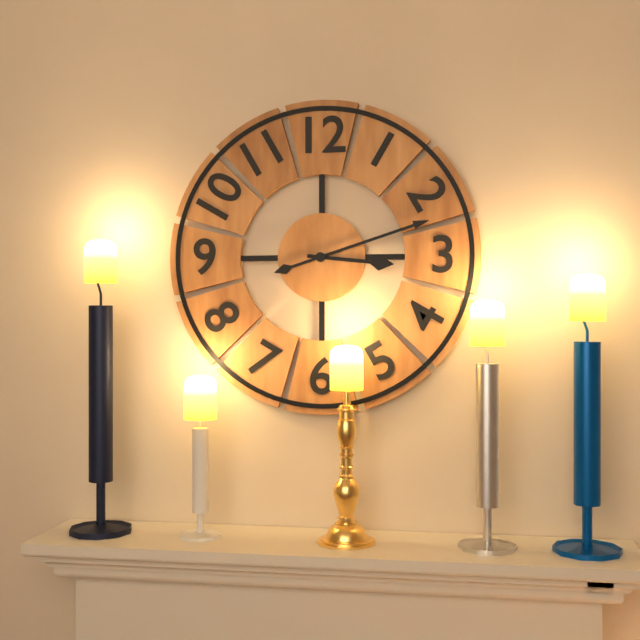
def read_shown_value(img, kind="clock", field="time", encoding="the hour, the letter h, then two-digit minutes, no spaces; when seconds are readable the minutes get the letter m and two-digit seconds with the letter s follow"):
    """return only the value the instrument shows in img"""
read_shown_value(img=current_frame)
3h12
